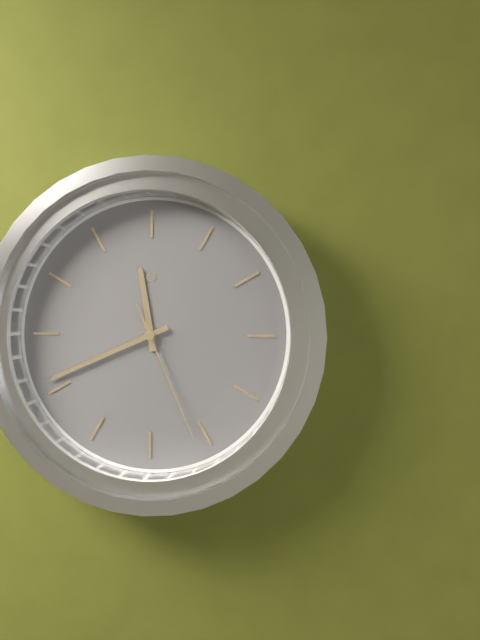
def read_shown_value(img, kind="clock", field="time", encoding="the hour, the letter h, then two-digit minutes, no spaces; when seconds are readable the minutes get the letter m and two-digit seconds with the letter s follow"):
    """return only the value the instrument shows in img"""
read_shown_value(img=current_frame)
11h41m26s
